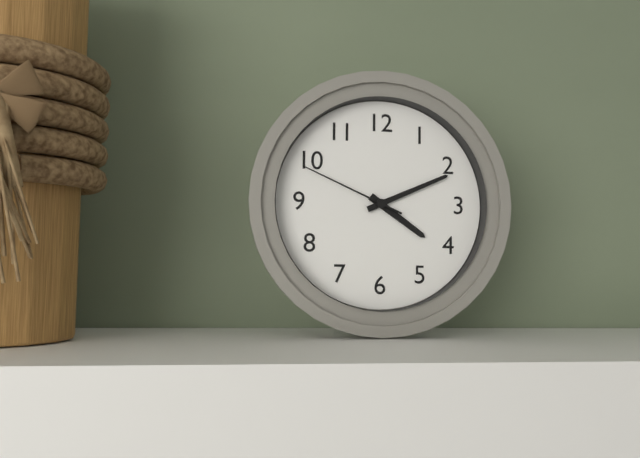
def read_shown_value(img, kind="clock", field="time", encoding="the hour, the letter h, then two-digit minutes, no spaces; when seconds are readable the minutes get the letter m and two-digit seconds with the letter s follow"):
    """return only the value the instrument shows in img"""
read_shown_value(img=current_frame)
4h11m49s
